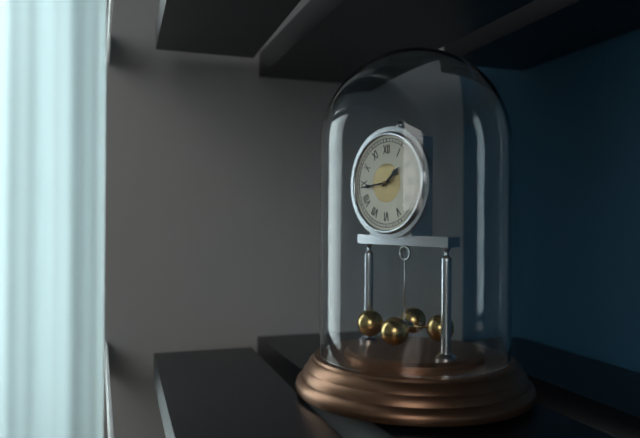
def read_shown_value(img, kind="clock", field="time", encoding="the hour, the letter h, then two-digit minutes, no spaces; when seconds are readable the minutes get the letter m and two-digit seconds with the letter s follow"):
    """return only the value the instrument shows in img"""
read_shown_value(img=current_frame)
1h44
